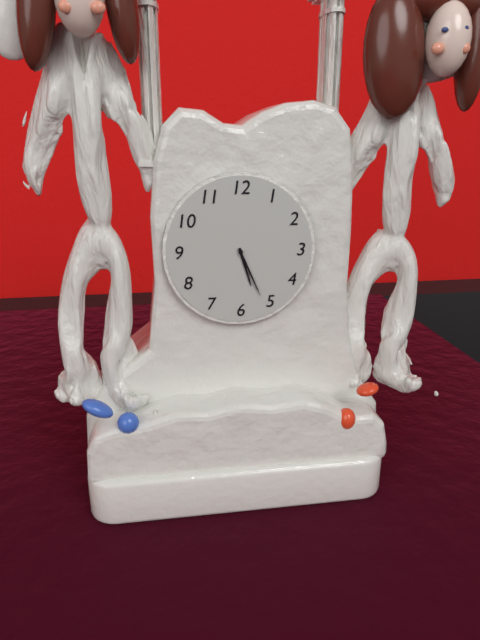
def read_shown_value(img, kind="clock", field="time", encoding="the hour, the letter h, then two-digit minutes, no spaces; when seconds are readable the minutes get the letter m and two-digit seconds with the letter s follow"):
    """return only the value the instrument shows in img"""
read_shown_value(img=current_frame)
5h26
